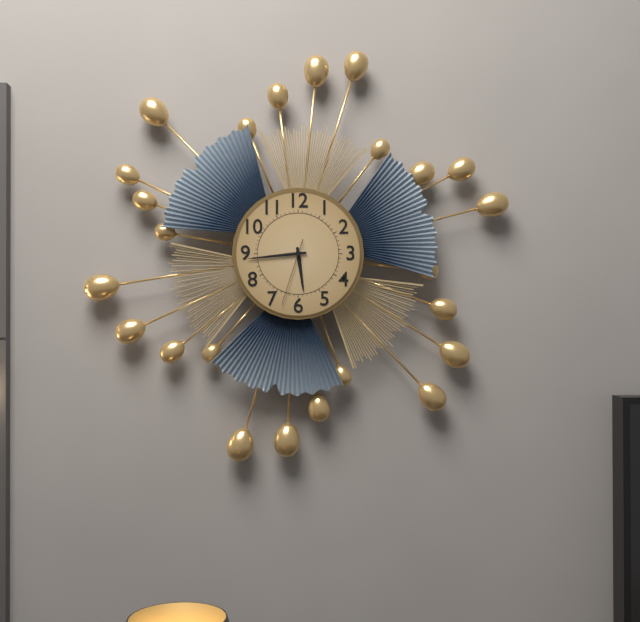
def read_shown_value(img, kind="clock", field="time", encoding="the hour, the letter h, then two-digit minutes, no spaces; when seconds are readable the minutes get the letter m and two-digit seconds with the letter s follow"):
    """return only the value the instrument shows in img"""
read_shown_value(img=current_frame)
5h44m33s
